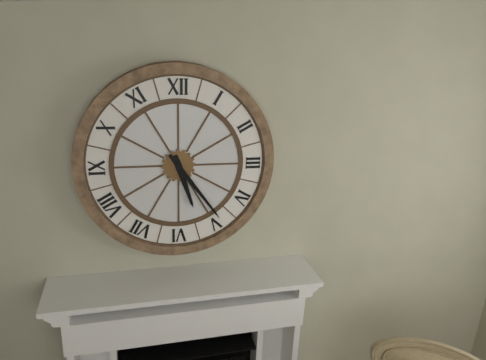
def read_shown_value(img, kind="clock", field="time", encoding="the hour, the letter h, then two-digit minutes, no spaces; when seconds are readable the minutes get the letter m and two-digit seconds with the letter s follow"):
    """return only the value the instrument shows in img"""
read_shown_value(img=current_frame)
5h24
